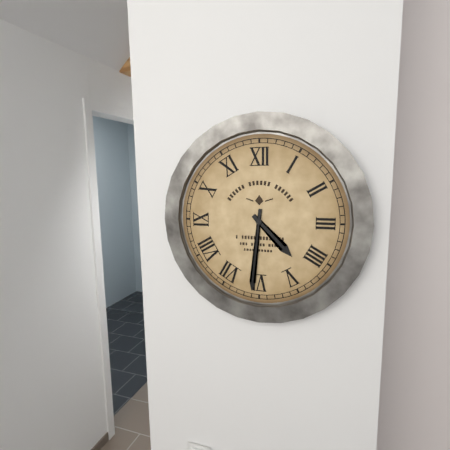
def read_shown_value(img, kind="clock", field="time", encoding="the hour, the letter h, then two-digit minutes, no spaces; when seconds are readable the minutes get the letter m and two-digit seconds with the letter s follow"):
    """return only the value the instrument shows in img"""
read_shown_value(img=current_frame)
4h31
